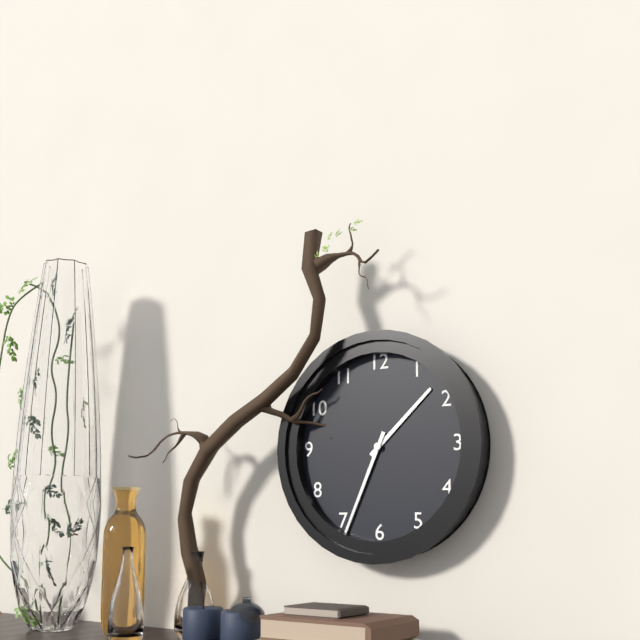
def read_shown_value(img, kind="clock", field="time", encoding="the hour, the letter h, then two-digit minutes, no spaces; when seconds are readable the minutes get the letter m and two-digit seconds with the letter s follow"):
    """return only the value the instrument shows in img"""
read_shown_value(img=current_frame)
1h34
